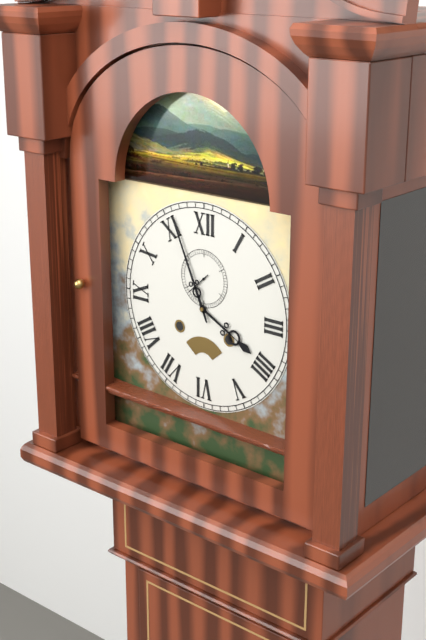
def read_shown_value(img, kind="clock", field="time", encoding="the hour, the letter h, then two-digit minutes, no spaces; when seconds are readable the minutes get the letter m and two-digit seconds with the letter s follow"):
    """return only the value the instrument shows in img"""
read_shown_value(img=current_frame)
3h56
